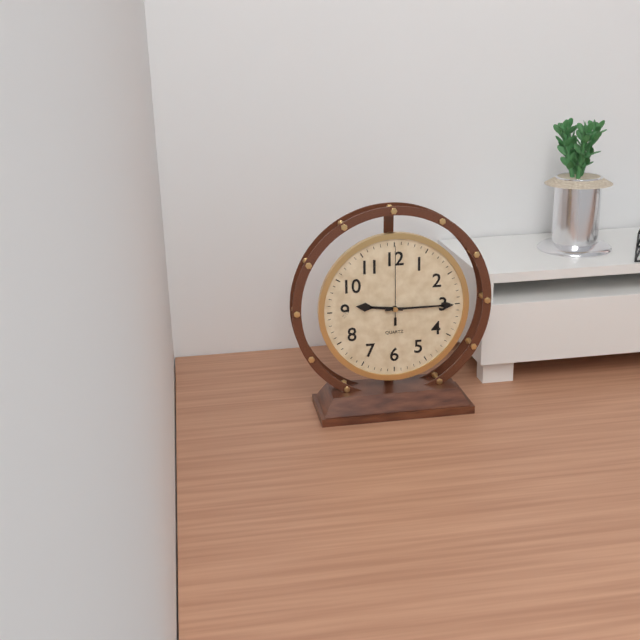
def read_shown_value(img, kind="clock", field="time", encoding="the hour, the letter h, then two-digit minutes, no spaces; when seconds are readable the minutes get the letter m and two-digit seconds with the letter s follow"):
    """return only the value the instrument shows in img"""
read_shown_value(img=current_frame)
9h15m00s
